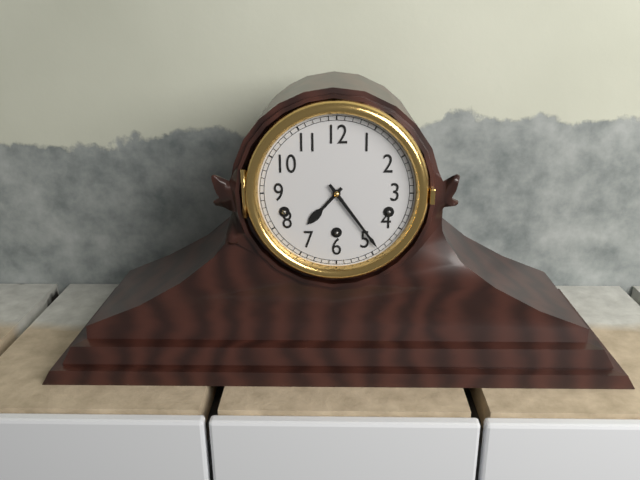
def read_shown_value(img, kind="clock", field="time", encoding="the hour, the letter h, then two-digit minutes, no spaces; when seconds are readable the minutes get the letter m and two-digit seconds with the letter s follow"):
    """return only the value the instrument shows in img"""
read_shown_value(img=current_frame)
7h24
